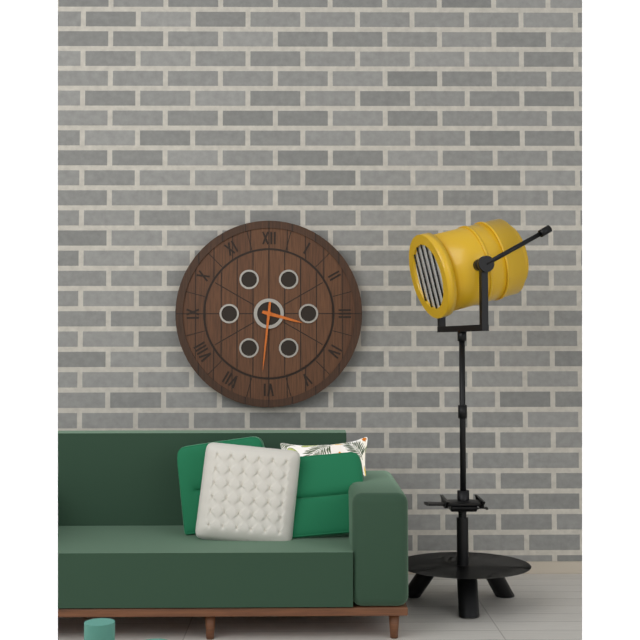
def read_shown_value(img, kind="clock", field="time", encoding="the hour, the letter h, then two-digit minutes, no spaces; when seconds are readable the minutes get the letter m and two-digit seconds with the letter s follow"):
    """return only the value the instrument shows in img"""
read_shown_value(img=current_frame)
3h31
